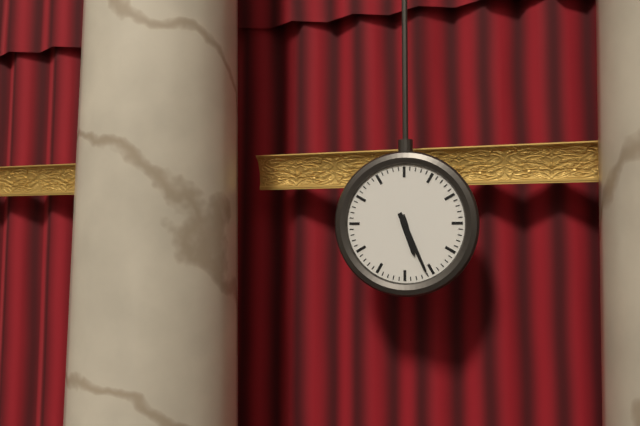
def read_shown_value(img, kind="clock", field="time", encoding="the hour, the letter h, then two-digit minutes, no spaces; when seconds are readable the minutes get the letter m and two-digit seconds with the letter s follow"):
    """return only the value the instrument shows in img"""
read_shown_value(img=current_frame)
5h26
